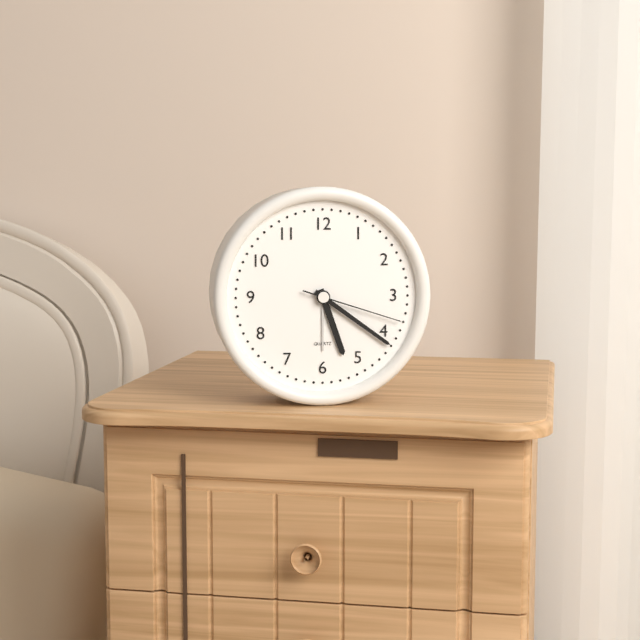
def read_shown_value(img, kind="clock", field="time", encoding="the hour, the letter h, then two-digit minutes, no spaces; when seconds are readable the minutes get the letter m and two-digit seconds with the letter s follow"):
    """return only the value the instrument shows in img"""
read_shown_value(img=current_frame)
5h21m18s
